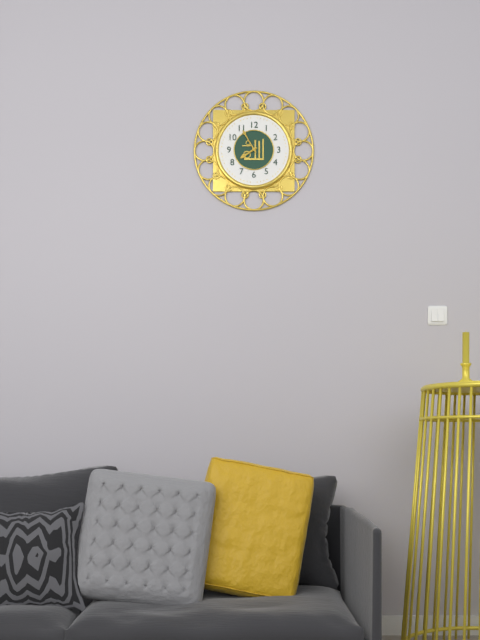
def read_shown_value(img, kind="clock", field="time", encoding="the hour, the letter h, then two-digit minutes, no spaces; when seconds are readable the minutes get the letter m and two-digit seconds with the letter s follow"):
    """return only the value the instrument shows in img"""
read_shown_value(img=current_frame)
7h55
